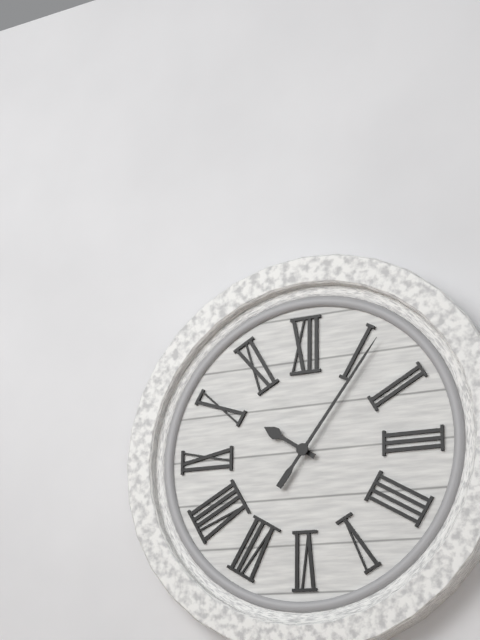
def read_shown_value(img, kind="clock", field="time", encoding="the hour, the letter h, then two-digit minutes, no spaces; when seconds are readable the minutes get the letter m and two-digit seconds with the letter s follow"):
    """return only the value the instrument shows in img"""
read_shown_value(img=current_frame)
10h06
